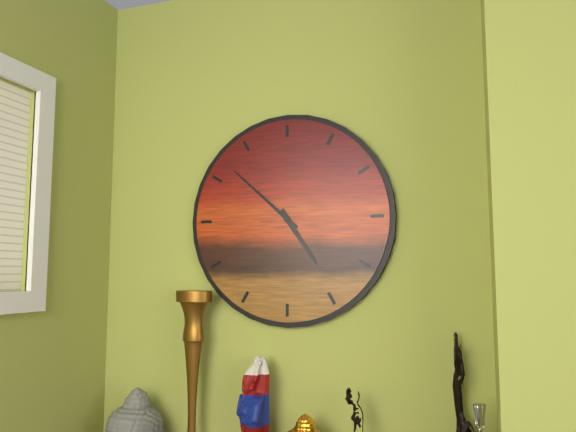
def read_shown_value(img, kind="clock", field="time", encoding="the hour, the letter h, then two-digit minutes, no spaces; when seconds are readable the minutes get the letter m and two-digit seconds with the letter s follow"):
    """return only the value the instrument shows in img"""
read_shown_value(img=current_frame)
4h52
